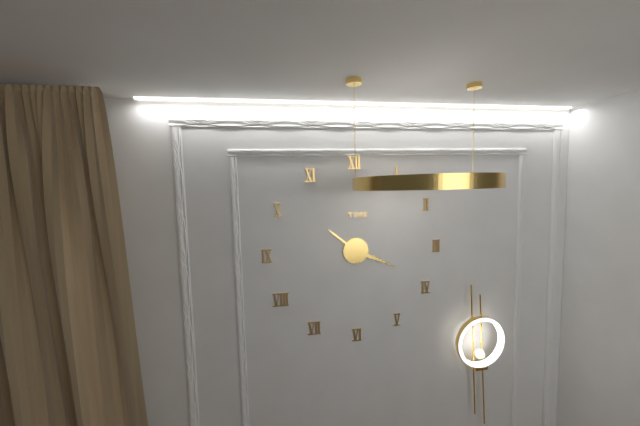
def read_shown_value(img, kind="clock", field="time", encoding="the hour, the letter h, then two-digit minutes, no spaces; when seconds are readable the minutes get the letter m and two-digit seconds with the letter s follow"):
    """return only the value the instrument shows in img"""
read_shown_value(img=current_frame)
10h19
